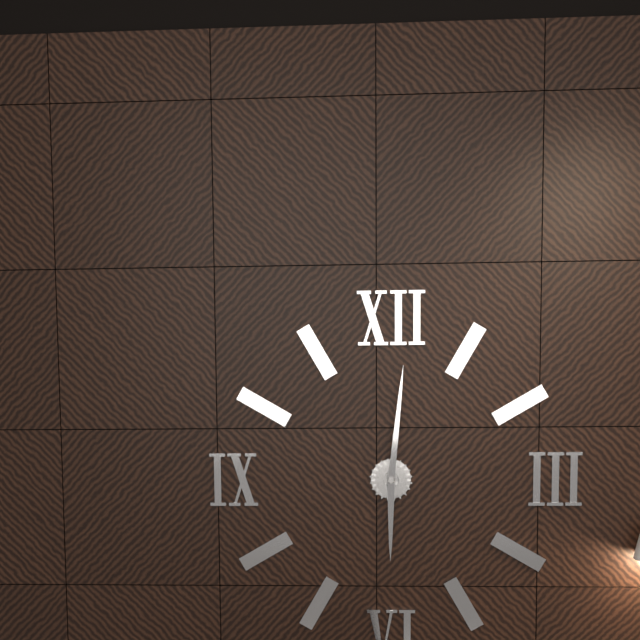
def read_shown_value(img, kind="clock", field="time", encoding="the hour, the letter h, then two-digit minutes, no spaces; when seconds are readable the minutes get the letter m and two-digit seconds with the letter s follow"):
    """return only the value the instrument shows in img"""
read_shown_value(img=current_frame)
6h01
